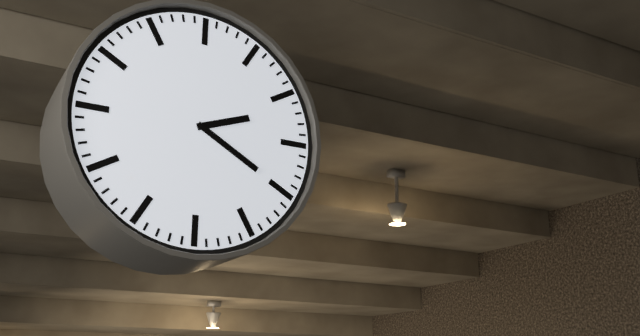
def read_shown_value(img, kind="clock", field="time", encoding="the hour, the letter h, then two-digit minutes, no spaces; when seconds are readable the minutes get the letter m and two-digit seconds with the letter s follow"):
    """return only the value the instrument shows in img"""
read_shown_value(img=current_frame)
2h20
